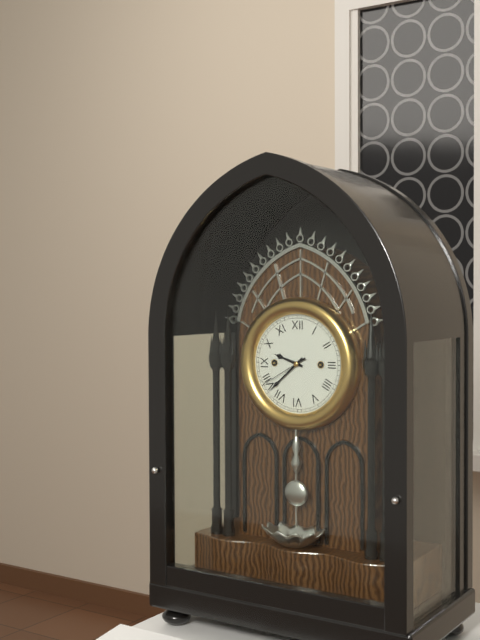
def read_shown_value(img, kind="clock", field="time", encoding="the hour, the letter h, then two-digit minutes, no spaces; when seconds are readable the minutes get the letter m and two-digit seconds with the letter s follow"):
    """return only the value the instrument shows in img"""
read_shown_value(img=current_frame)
9h38
